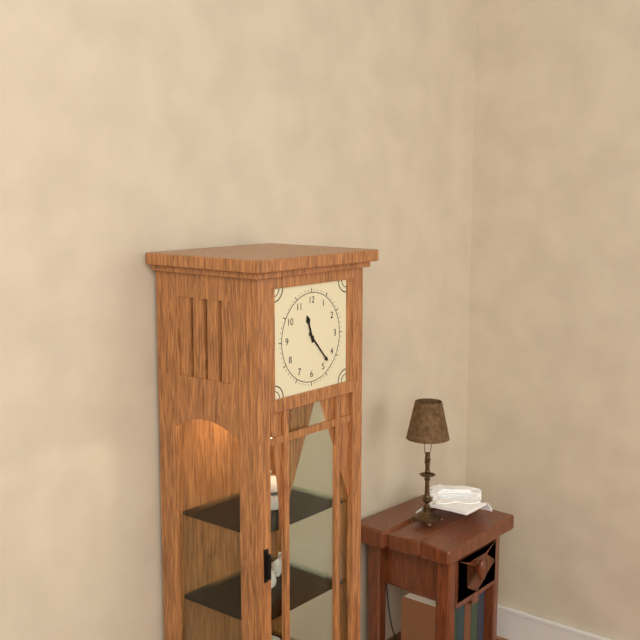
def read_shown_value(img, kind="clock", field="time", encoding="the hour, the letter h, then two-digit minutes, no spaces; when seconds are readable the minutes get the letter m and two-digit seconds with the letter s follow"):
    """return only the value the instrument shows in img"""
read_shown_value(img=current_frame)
11h23
